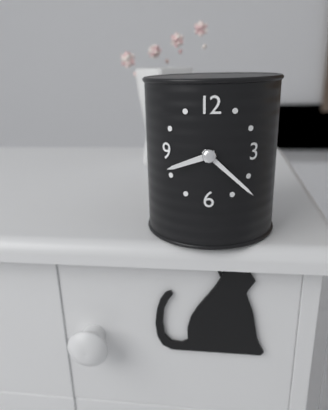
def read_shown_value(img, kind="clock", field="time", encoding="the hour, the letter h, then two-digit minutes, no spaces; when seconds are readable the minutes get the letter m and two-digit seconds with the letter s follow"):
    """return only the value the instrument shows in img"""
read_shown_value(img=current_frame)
8h22
